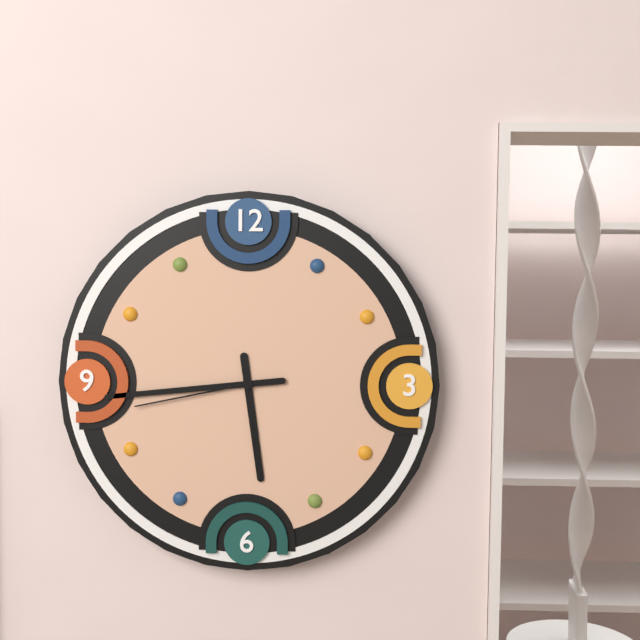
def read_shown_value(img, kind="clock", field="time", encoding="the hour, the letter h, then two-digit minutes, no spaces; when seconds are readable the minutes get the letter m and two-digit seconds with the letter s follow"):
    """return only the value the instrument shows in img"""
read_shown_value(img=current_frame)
5h44m43s
